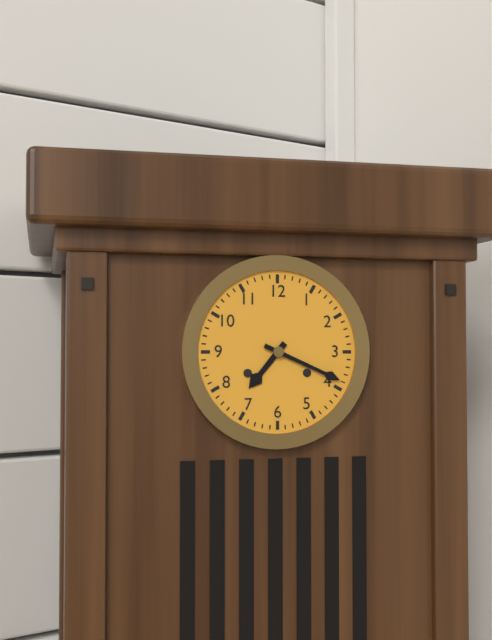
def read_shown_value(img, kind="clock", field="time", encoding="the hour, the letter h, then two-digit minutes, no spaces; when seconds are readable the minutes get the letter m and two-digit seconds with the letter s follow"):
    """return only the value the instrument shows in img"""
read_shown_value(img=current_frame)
7h19
